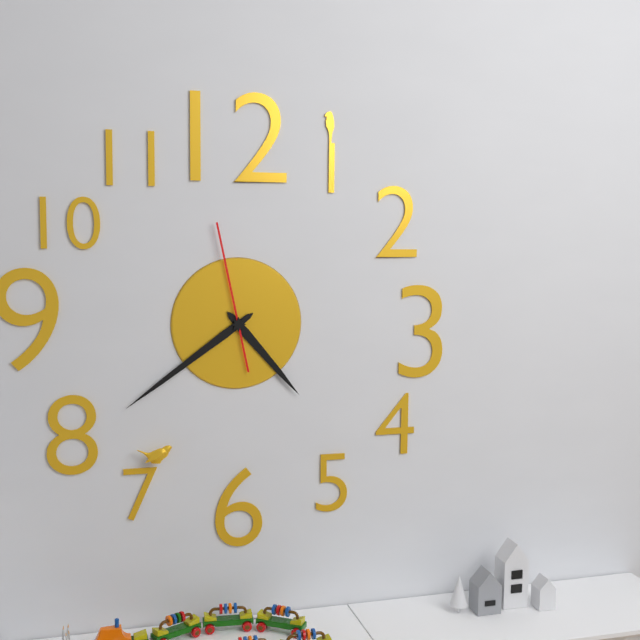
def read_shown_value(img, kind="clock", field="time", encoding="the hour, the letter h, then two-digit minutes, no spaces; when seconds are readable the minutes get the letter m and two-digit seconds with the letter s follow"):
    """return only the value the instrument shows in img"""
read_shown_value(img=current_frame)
4h39m58s
